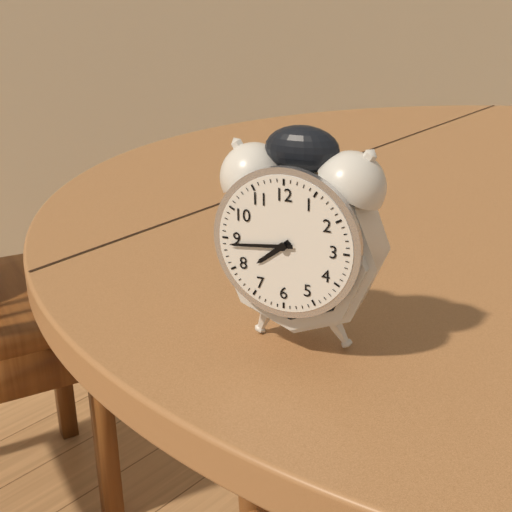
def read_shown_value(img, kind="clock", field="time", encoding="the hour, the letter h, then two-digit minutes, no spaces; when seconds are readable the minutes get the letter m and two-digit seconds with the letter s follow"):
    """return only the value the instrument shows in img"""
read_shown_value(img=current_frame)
7h44
